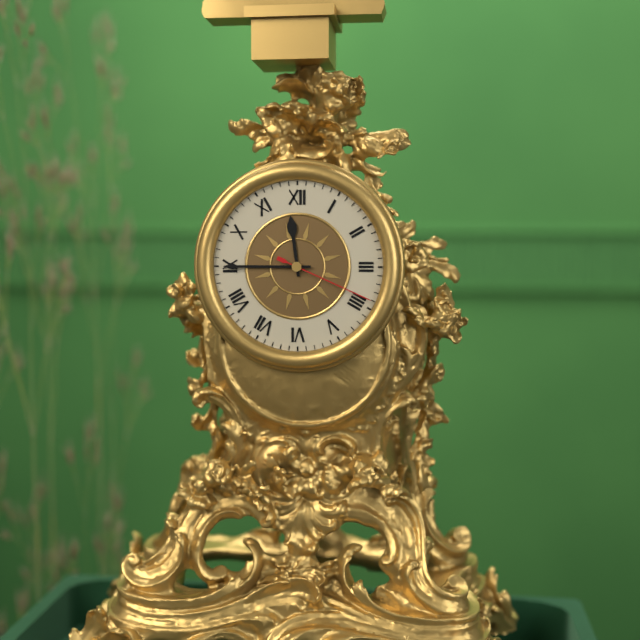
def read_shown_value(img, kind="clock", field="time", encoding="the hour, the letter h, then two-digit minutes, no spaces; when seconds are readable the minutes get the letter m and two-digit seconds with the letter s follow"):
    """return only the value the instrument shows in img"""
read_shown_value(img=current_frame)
11h45m19s
